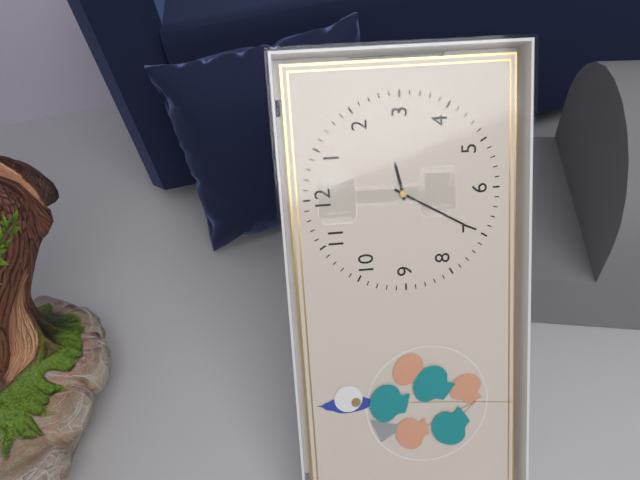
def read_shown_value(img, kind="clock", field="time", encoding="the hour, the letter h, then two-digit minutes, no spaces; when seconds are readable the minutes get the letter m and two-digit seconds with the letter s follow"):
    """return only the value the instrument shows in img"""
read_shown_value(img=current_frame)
2h35
